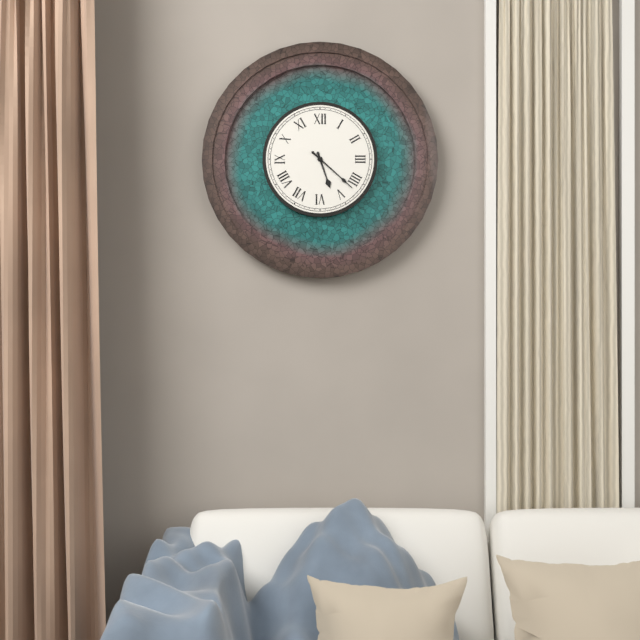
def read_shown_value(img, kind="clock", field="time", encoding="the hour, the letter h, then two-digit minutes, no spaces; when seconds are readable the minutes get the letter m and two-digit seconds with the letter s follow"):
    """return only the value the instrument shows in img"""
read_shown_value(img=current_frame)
5h22
